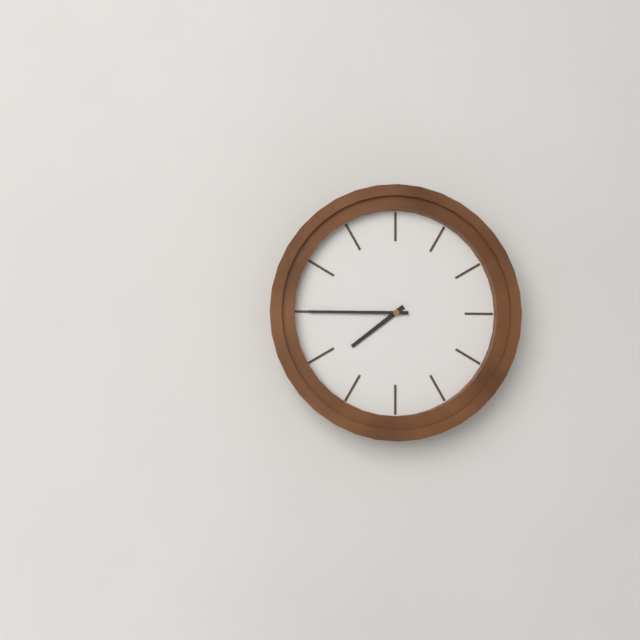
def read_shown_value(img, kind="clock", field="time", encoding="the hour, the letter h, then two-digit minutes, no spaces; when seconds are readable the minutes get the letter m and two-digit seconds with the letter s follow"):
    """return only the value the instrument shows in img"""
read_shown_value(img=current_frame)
7h45
